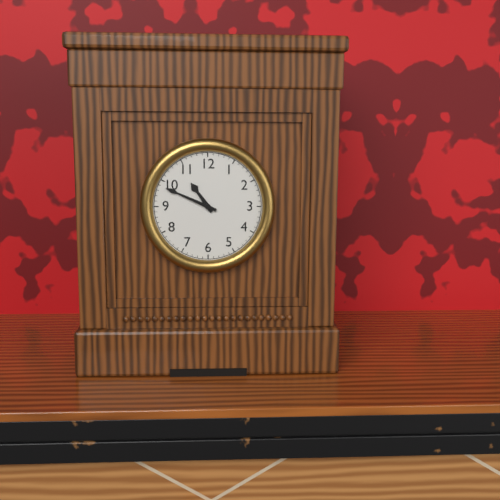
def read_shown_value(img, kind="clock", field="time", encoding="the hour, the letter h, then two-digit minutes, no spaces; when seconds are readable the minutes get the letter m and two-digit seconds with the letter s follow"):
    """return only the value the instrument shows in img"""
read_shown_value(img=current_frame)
10h49
